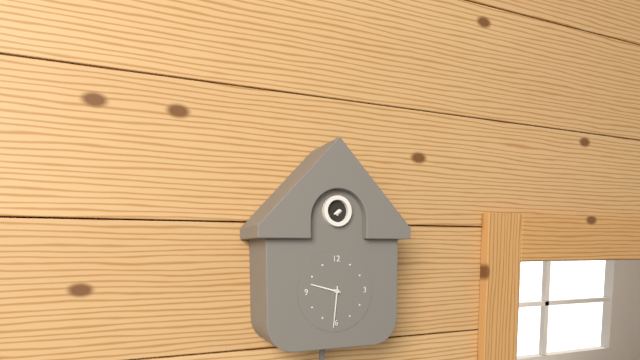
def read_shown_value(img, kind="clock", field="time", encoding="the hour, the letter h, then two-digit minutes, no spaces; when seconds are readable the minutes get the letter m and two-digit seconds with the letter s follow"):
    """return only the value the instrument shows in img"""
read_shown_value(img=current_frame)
9h31
